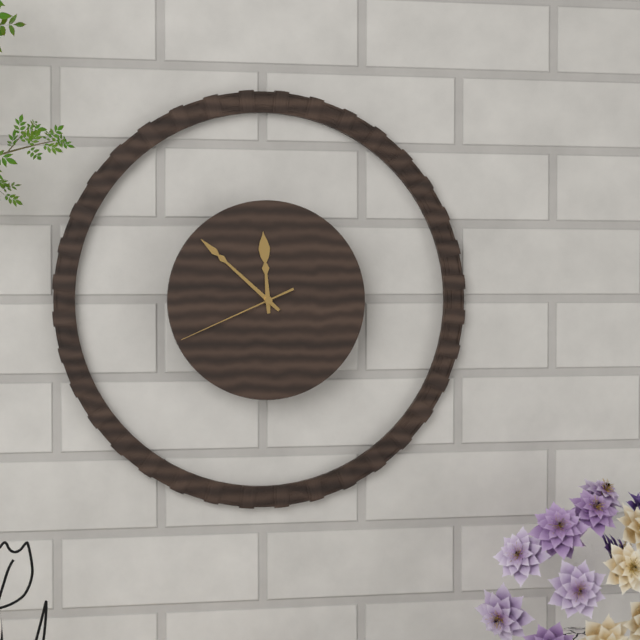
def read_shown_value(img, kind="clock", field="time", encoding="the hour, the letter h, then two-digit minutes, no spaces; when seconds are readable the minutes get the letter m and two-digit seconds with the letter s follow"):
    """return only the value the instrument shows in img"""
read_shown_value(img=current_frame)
11h52m41s
